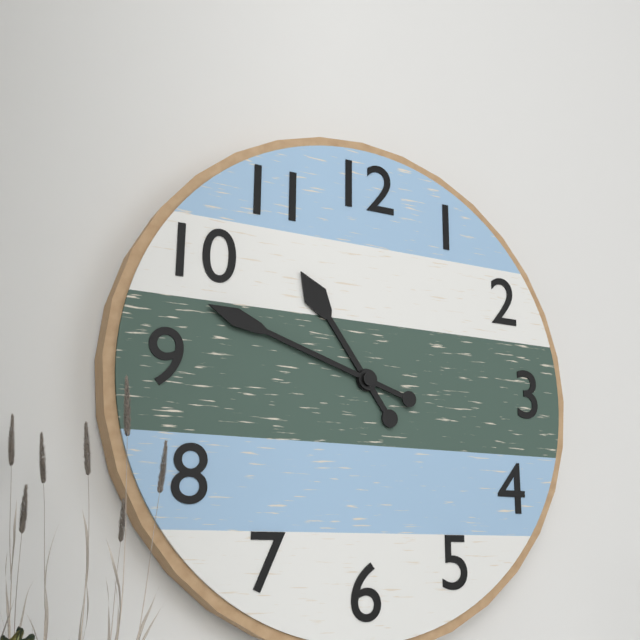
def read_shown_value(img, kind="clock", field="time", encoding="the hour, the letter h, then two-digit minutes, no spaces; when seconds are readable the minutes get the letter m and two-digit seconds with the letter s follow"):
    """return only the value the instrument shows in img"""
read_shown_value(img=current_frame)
10h48
